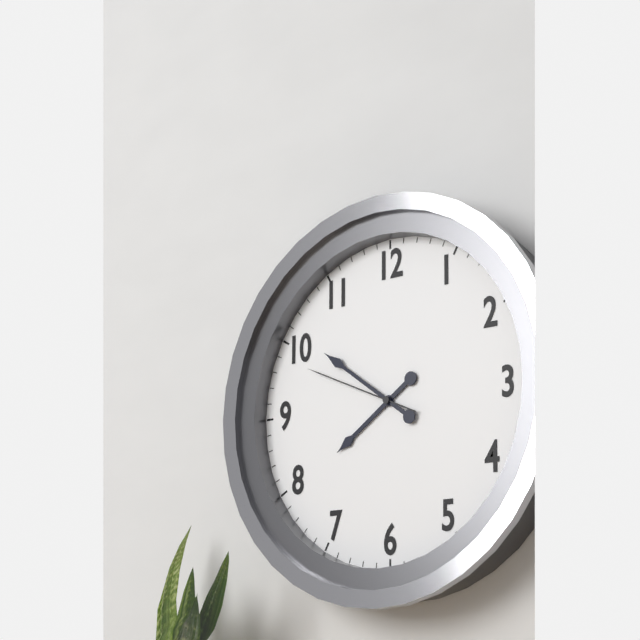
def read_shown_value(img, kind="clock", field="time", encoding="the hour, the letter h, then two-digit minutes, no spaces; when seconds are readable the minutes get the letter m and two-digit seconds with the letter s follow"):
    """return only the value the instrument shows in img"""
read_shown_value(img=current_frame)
7h51m49s
